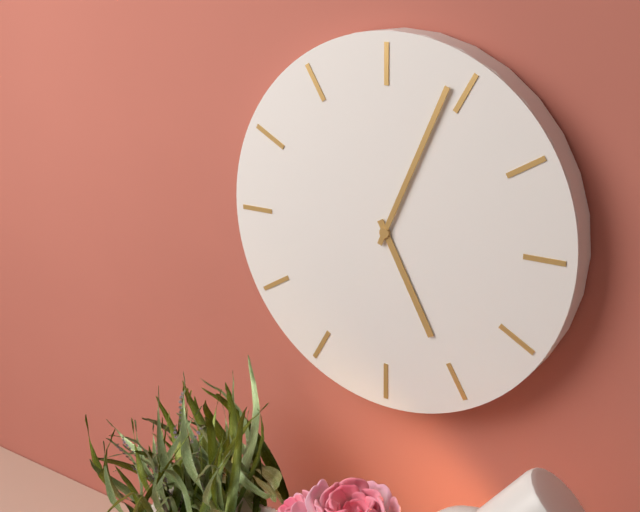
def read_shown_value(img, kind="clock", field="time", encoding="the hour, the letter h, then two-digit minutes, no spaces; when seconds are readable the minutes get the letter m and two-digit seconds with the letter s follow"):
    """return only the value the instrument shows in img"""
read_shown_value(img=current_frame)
5h04
